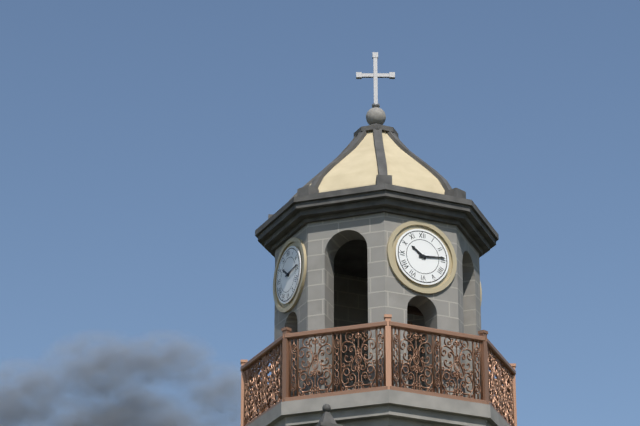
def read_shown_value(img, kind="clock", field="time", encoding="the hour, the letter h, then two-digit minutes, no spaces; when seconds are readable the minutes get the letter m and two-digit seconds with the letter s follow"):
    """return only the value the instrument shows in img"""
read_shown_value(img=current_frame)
10h14
